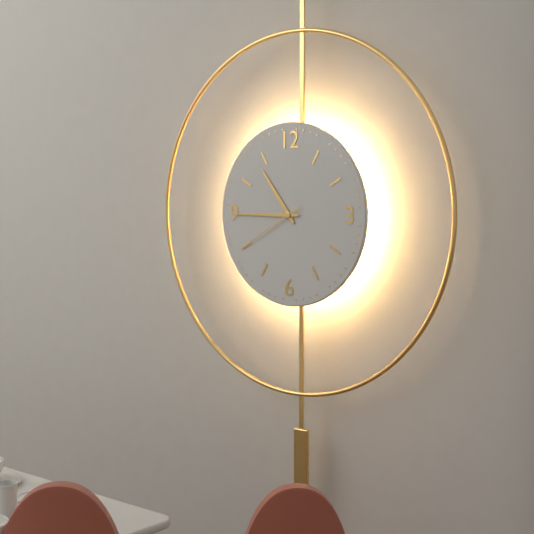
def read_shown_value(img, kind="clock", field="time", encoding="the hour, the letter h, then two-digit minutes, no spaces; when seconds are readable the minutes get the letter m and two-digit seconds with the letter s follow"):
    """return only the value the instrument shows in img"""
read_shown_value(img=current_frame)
10h45m40s
